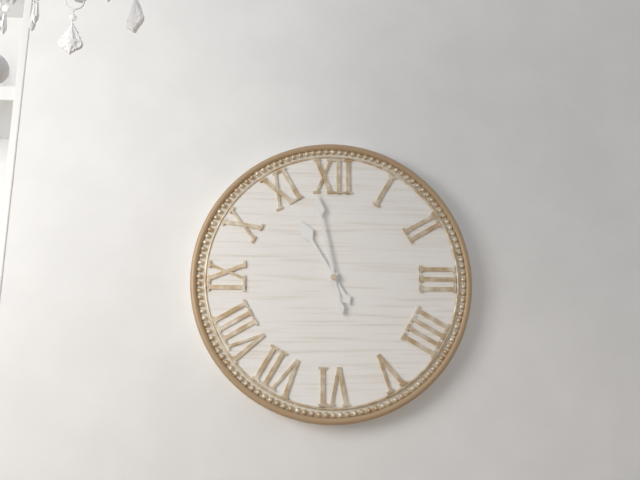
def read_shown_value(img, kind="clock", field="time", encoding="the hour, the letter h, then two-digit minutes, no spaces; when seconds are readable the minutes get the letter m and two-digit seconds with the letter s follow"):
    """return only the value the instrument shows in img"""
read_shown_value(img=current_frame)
10h58
